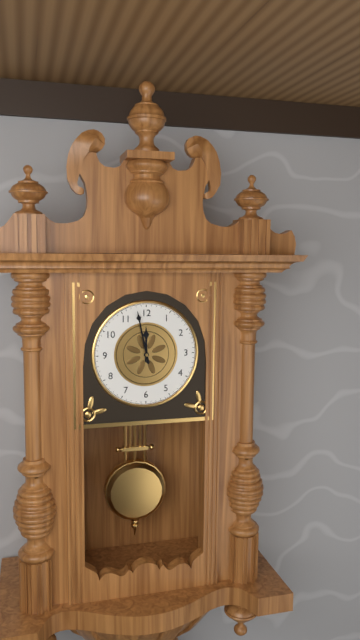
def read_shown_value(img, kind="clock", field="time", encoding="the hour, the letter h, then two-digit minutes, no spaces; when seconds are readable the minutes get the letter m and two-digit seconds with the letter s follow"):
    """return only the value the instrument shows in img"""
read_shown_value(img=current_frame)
11h58
